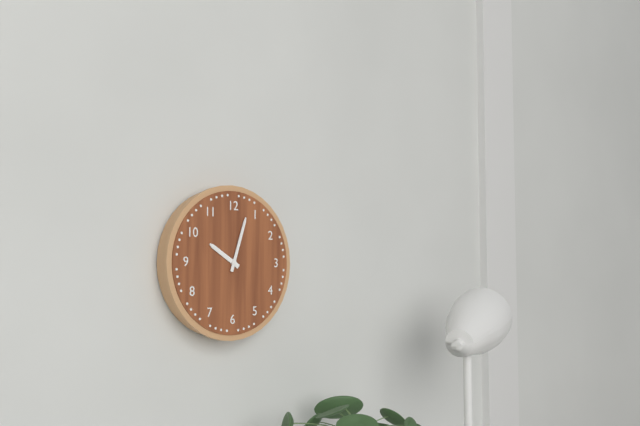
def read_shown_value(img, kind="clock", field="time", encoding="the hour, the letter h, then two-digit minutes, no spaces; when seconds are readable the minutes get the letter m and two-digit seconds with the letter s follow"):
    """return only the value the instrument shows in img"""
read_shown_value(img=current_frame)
10h03
